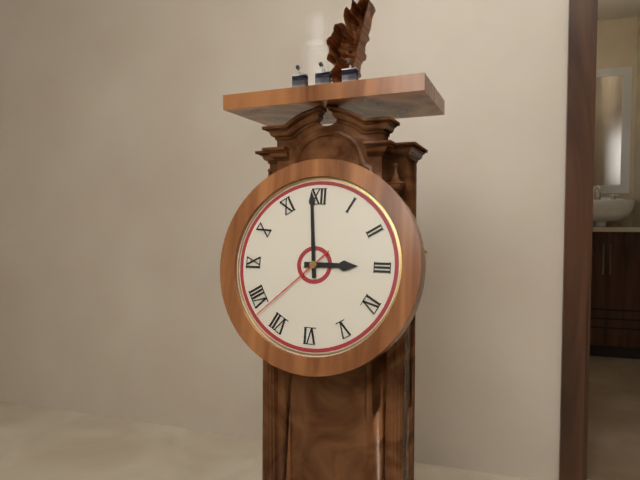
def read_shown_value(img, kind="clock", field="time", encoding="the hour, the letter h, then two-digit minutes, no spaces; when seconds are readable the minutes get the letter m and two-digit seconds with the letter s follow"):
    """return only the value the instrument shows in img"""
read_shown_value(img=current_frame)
2h59m38s
